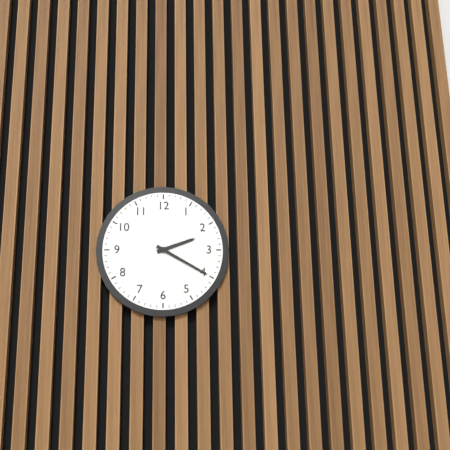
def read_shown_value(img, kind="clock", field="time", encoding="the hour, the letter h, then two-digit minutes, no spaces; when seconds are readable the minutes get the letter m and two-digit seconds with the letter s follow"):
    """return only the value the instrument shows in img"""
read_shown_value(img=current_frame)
2h20
